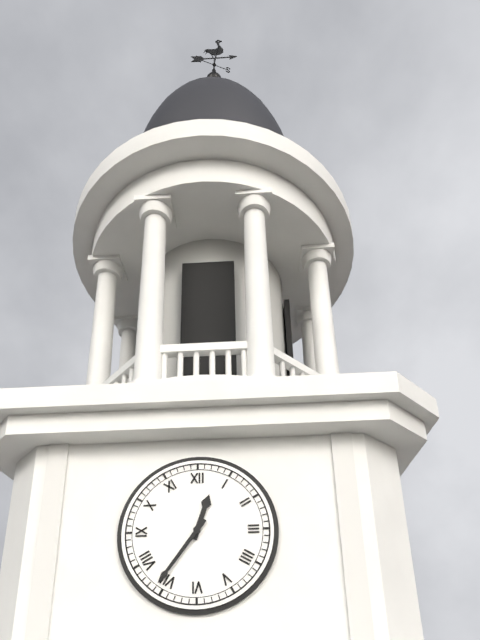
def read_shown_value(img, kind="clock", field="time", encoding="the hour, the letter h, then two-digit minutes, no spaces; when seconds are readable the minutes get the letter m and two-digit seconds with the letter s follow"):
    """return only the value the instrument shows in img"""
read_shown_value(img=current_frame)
12h36
